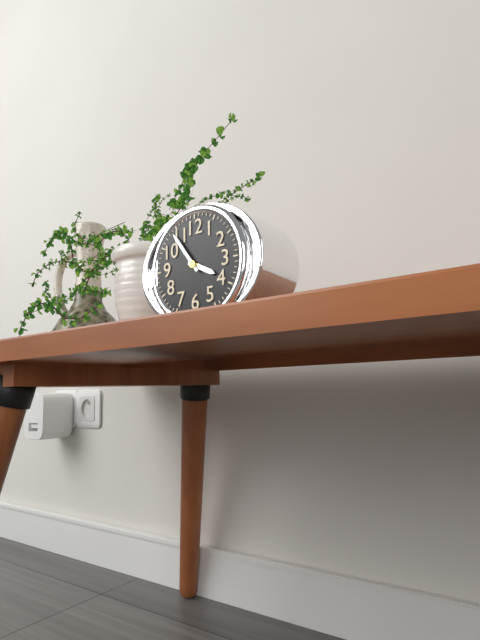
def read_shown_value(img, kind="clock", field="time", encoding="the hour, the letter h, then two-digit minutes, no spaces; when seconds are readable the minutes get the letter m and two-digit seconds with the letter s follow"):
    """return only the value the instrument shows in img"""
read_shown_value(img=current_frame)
3h54
